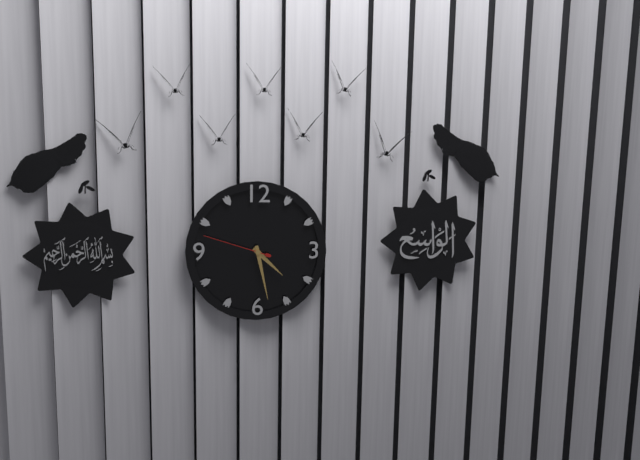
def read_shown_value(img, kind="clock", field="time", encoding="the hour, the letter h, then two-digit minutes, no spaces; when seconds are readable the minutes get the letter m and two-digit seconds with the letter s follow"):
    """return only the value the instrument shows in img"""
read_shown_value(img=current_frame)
4h28m48s
